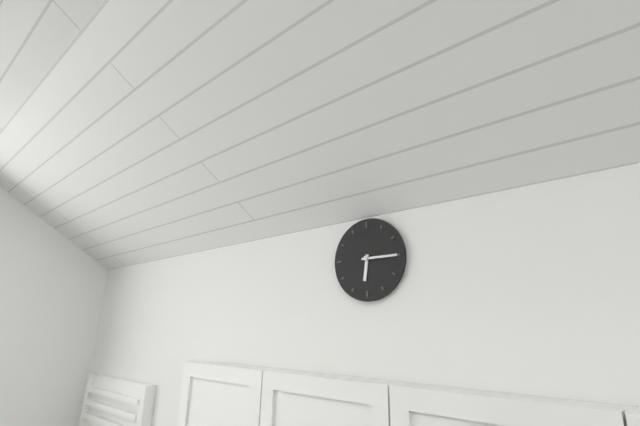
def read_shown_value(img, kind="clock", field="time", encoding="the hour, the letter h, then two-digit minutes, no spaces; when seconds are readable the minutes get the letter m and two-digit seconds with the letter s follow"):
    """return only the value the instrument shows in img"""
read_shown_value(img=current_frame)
6h15
